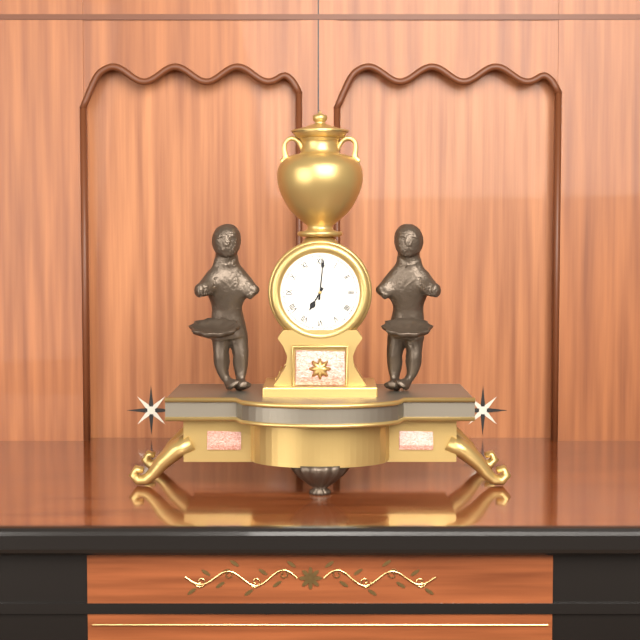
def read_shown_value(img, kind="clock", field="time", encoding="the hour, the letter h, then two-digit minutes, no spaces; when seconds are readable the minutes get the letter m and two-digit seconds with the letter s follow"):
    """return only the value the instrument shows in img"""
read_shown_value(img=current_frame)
7h01
